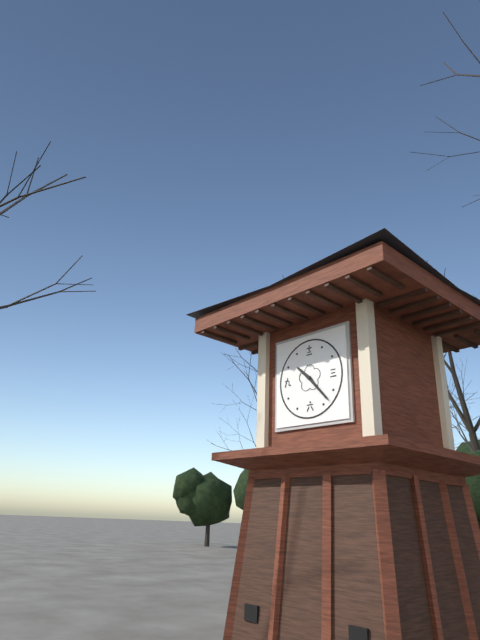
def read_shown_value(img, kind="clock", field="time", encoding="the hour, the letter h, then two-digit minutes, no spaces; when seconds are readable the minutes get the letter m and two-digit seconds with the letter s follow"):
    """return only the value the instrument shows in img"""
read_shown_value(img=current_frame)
10h23
